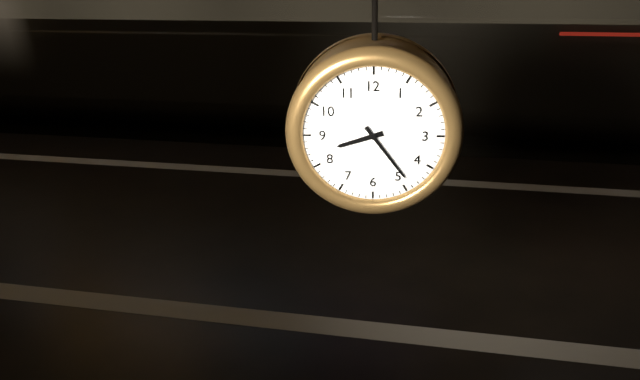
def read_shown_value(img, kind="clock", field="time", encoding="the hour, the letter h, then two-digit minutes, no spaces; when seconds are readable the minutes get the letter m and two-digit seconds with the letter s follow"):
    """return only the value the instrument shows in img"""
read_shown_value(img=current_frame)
8h24
